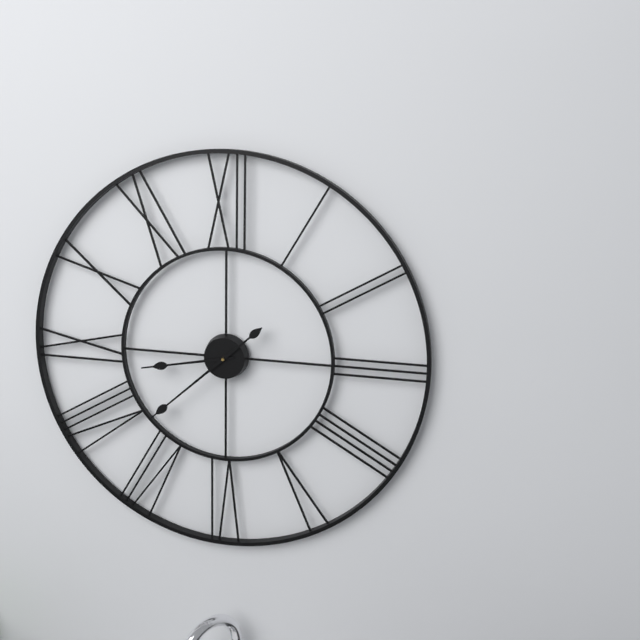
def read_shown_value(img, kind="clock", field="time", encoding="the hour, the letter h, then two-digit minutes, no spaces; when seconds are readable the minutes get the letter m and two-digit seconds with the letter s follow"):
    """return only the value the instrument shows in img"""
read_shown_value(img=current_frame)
8h38
